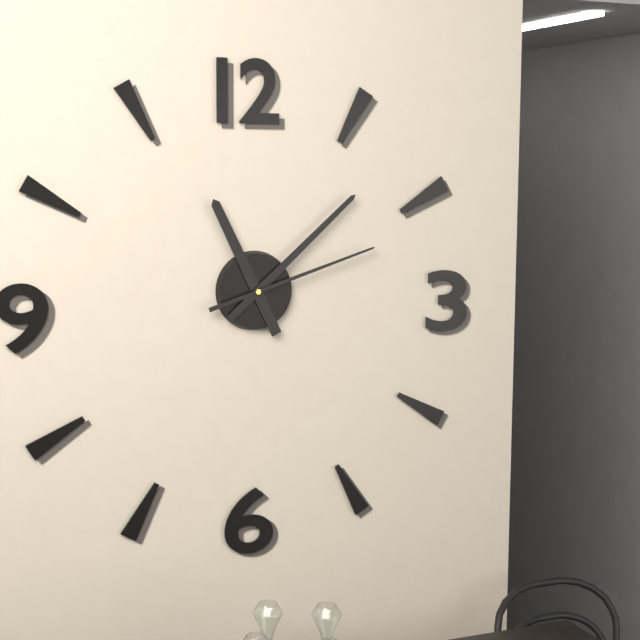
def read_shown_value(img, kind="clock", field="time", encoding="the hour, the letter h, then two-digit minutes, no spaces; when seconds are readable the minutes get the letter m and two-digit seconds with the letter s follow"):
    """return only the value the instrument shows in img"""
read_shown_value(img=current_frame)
11h08m12s
